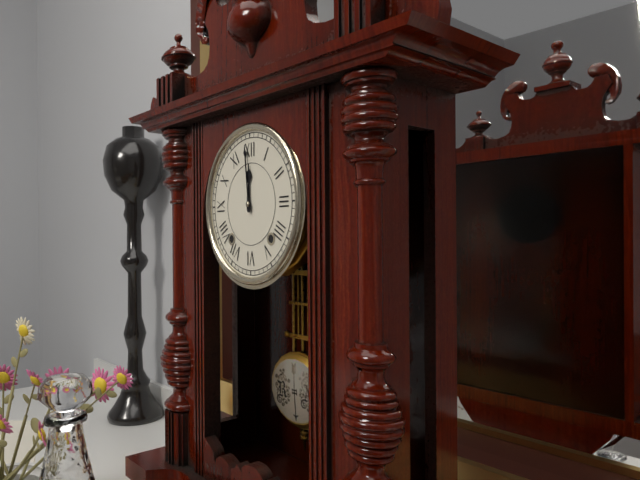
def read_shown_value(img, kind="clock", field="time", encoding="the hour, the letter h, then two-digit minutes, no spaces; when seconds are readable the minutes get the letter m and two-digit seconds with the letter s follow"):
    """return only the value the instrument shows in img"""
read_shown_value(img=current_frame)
11h59
